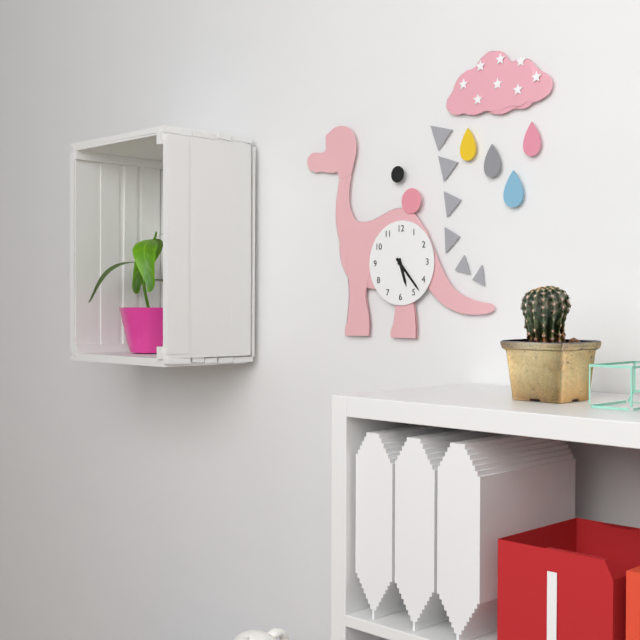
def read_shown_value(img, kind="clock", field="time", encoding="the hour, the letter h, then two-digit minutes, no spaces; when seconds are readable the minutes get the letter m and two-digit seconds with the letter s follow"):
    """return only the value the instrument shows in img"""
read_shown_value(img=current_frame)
5h23
